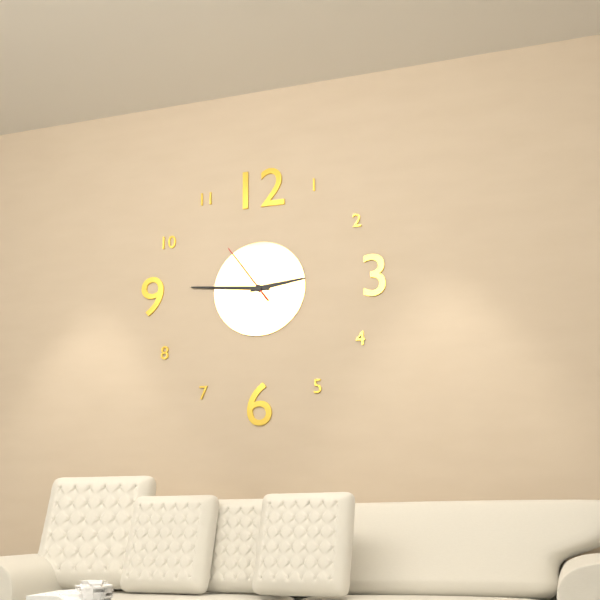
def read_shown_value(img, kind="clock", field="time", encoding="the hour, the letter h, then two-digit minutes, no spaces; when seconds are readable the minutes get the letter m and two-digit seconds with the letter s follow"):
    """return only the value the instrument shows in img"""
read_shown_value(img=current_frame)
2h46m54s
